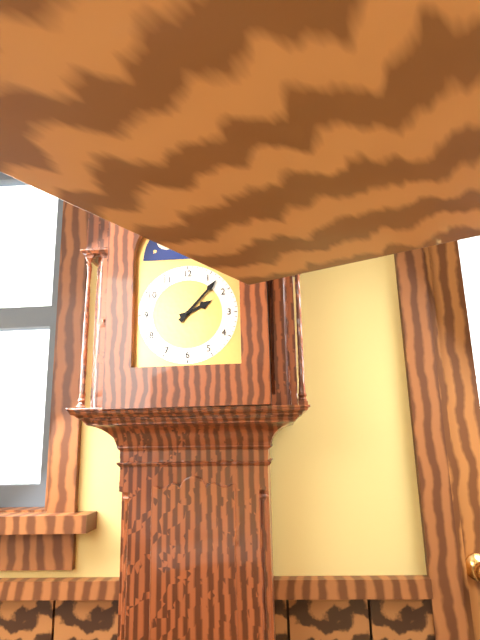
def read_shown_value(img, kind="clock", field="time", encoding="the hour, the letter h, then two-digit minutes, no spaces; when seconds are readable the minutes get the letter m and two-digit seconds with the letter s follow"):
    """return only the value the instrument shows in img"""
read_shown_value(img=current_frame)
2h07
